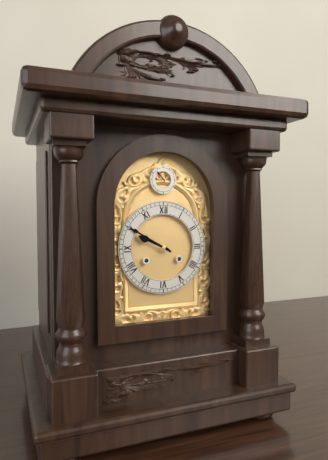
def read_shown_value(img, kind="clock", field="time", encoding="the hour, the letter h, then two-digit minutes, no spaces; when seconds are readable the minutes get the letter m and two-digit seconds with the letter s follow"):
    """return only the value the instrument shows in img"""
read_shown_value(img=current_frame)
9h50
